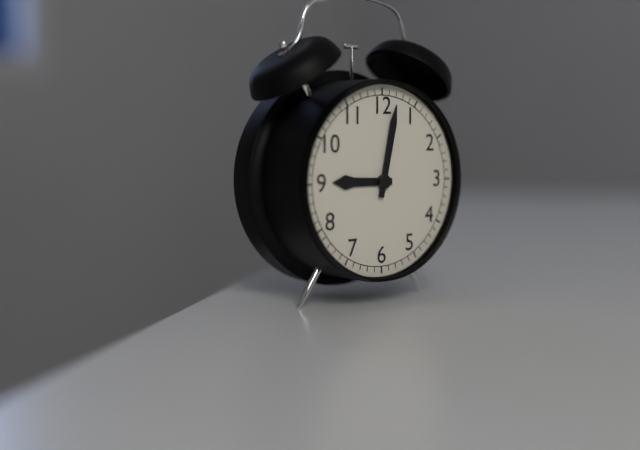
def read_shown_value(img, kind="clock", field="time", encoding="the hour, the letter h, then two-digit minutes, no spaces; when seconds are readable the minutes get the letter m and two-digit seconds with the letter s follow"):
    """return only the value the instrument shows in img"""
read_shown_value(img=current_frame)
9h02
